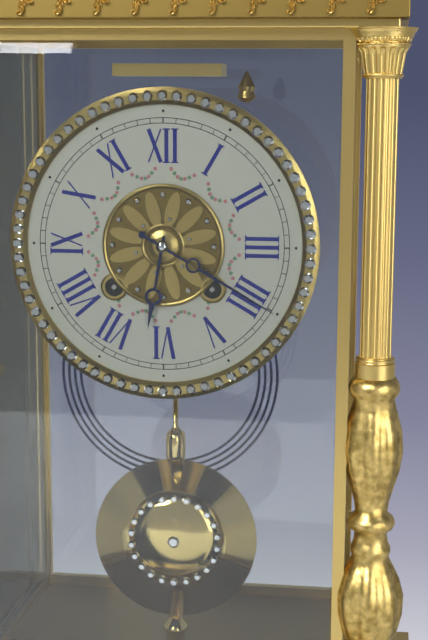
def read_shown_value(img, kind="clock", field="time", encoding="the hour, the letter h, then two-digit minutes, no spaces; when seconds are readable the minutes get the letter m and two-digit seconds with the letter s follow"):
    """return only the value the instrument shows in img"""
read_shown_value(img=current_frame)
6h20
